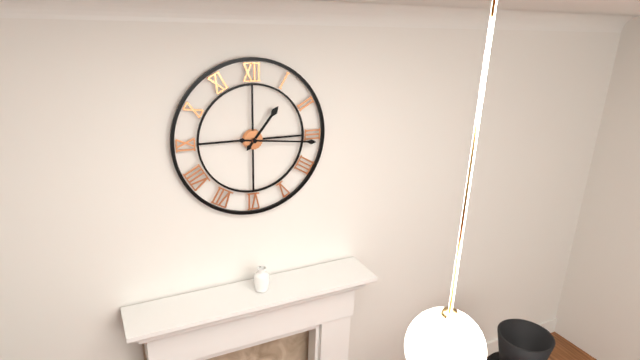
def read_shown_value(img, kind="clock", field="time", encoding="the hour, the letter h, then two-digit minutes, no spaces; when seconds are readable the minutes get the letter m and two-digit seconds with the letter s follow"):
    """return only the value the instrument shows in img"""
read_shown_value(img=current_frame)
1h16
